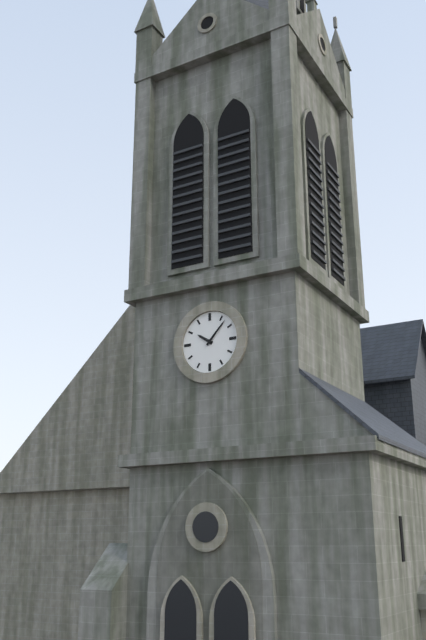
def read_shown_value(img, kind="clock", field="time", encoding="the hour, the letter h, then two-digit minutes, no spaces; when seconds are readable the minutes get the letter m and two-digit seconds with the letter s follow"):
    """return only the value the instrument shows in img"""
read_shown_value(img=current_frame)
10h07
